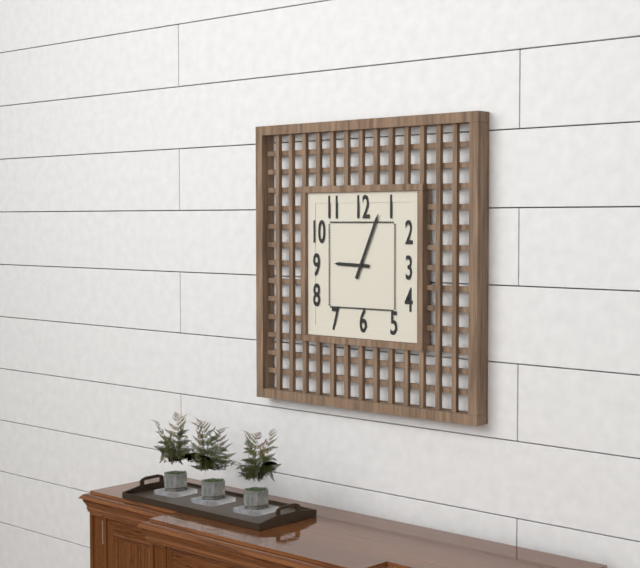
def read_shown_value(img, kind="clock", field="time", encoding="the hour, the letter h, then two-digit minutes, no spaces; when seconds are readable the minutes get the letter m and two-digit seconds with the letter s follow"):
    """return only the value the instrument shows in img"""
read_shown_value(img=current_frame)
9h04
